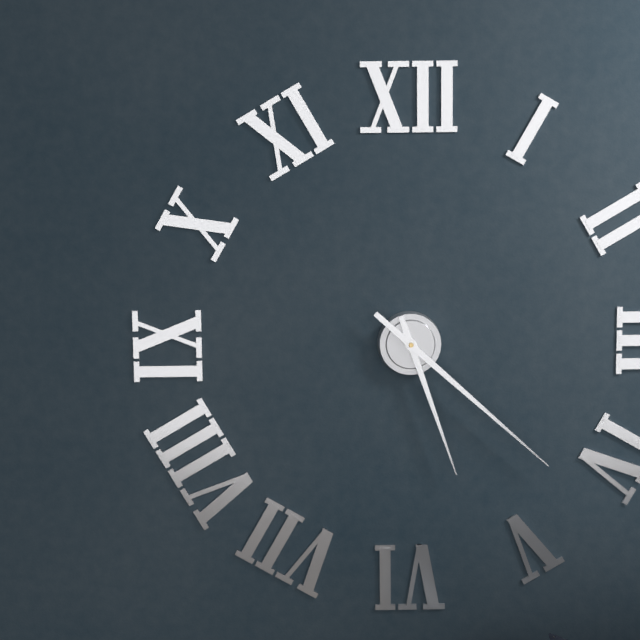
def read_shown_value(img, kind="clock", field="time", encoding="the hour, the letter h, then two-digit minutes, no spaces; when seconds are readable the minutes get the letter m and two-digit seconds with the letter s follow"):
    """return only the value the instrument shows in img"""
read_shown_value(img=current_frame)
5h22
